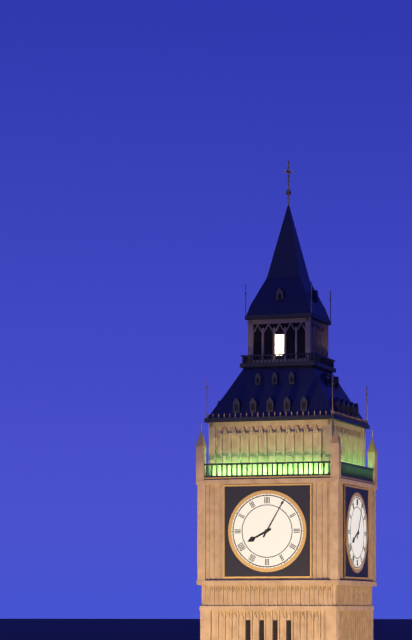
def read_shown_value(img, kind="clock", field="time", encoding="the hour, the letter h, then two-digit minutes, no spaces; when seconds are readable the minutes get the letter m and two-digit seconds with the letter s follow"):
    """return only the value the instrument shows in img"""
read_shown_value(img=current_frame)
8h05
